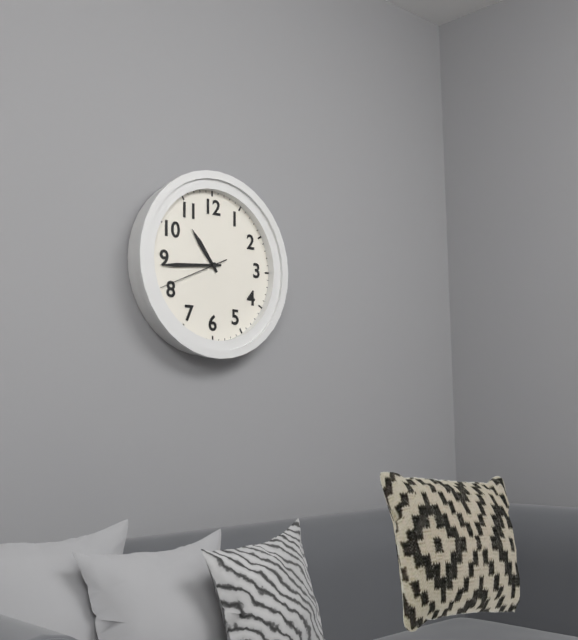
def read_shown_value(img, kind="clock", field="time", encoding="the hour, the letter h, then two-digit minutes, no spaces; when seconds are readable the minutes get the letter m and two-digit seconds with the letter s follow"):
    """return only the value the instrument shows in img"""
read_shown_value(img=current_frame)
10h44m41s
